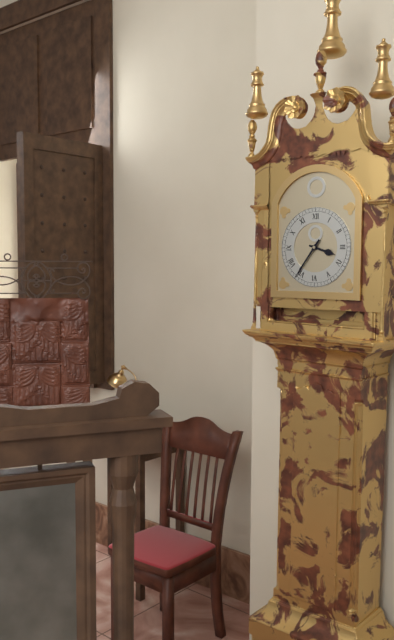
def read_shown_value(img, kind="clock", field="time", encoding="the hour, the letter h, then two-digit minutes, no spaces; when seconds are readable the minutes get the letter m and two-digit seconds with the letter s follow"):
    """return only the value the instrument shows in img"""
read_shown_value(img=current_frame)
3h36
